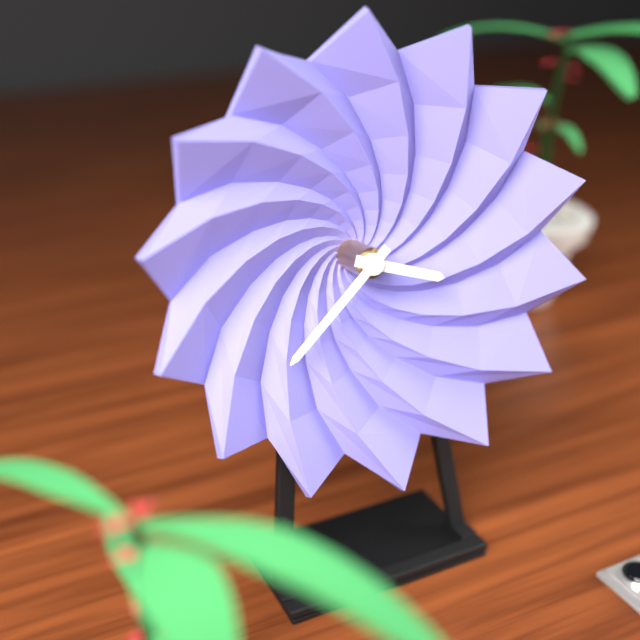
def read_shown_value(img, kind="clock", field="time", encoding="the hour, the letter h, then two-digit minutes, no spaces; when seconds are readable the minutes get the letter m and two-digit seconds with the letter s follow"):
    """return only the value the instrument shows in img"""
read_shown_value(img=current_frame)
3h38
